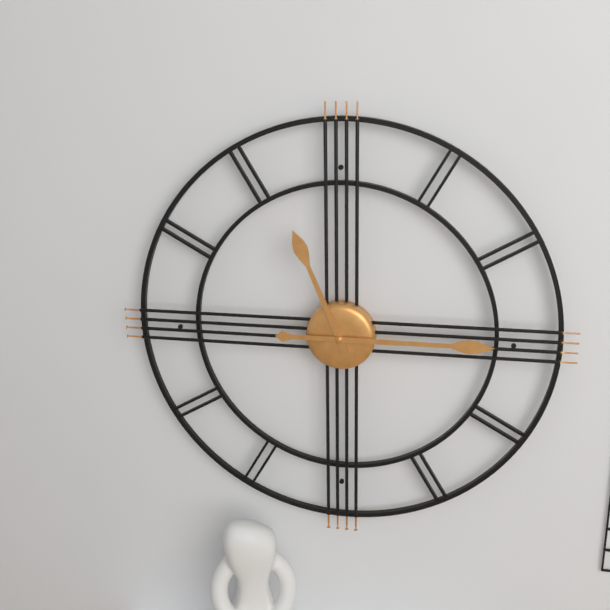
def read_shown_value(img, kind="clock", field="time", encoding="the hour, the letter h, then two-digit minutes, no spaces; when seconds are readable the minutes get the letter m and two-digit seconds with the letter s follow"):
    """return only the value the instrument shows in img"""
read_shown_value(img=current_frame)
11h15
